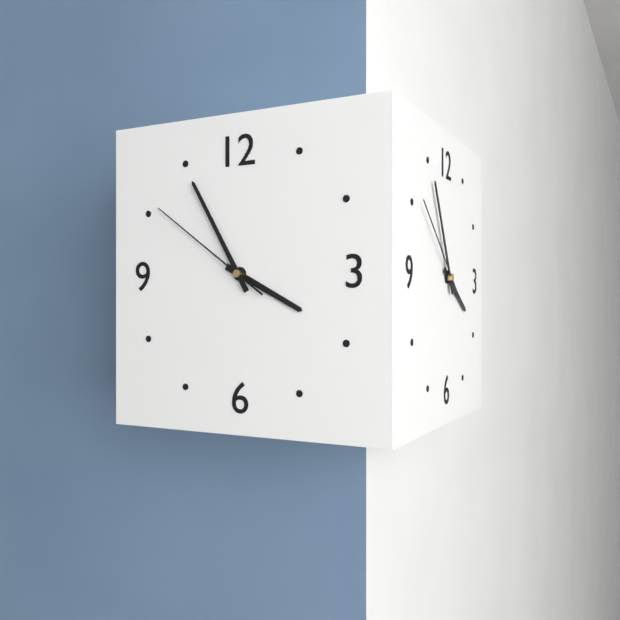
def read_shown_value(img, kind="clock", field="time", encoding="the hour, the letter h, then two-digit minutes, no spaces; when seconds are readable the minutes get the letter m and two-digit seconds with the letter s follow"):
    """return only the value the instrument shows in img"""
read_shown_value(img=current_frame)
3h55m51s
